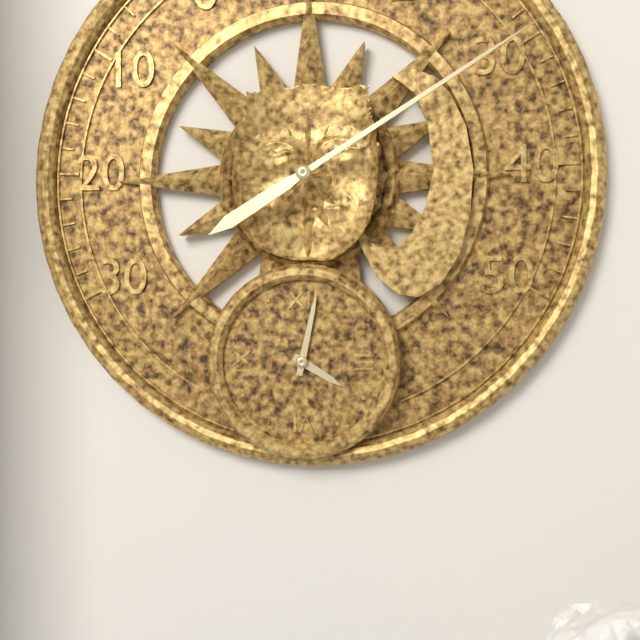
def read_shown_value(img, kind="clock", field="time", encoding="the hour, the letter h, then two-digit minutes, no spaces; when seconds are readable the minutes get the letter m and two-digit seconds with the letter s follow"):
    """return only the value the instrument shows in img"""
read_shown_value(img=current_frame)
4h02
